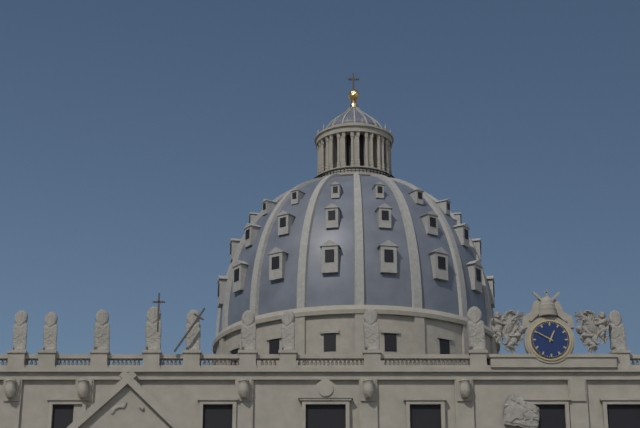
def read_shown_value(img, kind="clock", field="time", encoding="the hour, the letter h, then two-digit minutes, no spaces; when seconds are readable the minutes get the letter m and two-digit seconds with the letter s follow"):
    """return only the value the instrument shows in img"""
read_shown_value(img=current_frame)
12h50
